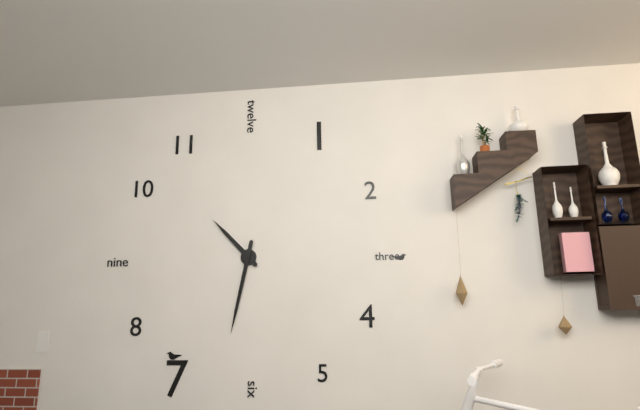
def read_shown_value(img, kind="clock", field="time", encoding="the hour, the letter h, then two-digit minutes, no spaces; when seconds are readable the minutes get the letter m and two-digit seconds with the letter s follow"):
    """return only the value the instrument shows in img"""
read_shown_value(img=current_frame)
10h32
